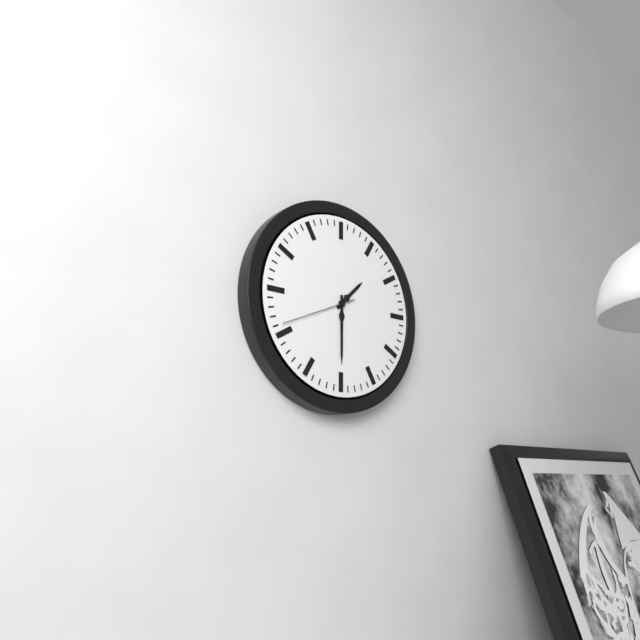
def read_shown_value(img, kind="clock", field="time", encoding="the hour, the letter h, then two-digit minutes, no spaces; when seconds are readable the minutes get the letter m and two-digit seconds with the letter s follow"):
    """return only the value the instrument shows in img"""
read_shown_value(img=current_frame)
1h30m41s
